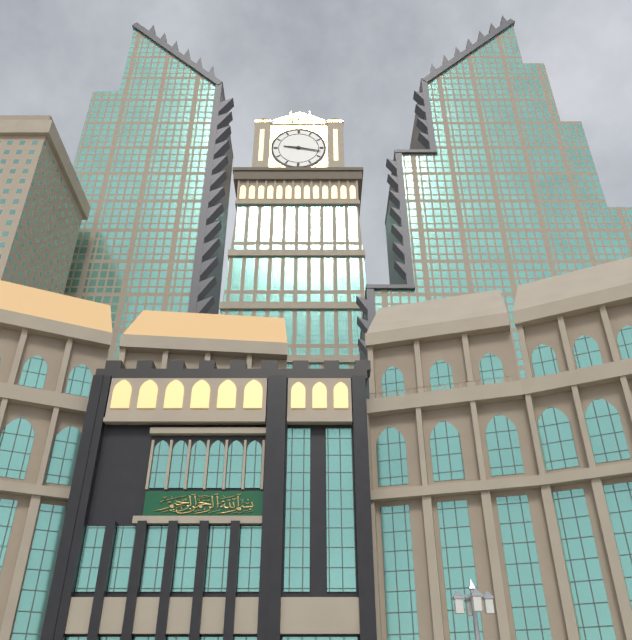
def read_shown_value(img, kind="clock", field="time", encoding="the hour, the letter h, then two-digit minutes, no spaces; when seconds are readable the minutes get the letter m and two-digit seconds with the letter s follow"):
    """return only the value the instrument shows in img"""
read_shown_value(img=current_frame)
9h17
